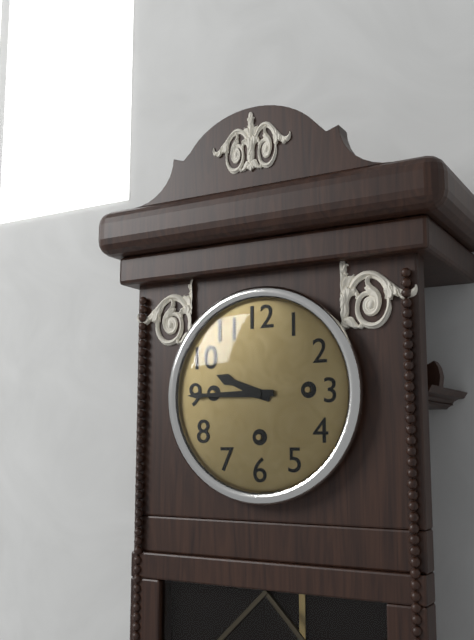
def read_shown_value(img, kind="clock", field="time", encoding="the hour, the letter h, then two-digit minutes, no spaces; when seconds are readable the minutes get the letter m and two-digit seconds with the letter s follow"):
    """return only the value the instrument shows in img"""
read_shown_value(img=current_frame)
9h45
